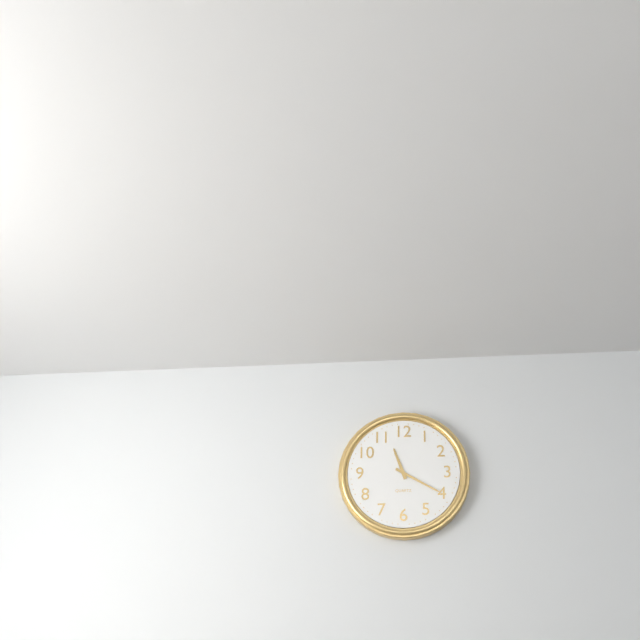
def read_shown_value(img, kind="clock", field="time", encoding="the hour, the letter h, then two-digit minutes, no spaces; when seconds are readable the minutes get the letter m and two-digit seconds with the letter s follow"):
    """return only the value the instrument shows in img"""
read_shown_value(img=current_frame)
11h20
